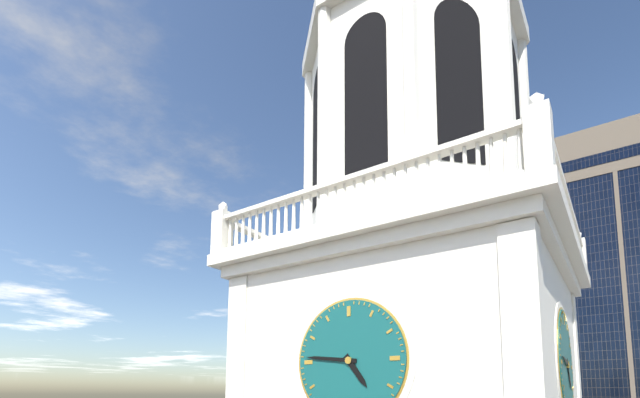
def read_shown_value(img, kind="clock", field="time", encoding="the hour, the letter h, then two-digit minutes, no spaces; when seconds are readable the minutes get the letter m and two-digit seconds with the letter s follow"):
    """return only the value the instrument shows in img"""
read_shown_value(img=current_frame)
4h46
